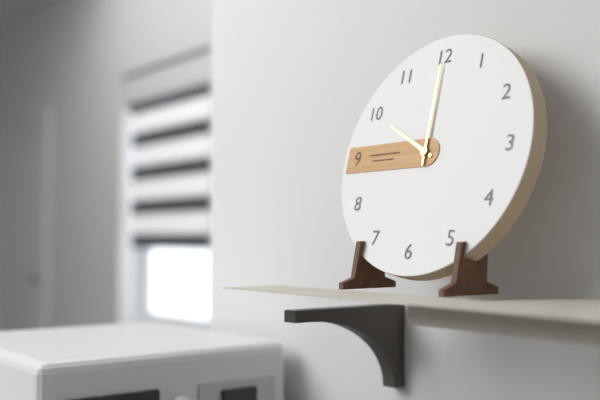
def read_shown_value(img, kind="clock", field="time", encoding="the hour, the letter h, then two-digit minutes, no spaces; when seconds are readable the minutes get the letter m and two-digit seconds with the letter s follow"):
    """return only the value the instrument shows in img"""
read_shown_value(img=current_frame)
10h00
